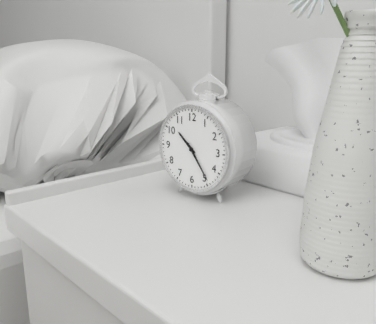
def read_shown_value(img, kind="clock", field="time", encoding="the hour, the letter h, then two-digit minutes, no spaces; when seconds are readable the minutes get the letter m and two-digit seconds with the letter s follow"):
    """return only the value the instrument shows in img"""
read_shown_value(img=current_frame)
10h24
